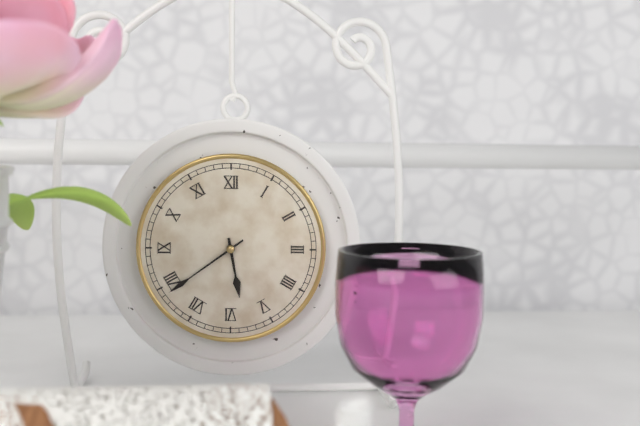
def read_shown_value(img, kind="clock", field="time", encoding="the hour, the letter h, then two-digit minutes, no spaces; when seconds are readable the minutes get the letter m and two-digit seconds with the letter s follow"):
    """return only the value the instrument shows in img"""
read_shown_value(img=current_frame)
5h39
